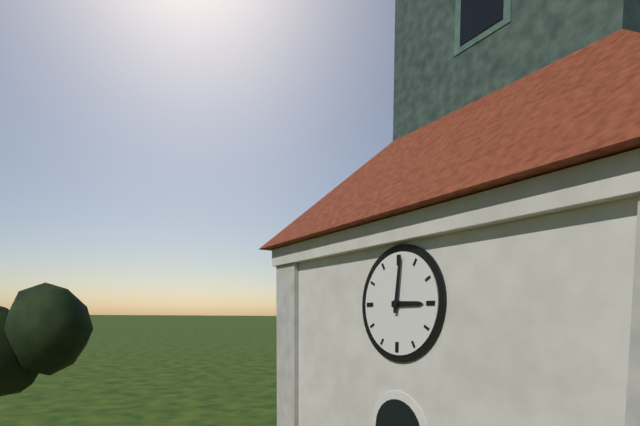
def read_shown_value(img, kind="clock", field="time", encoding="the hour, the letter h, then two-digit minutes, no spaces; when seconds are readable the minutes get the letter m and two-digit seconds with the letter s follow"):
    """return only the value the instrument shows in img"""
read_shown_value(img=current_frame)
3h01
